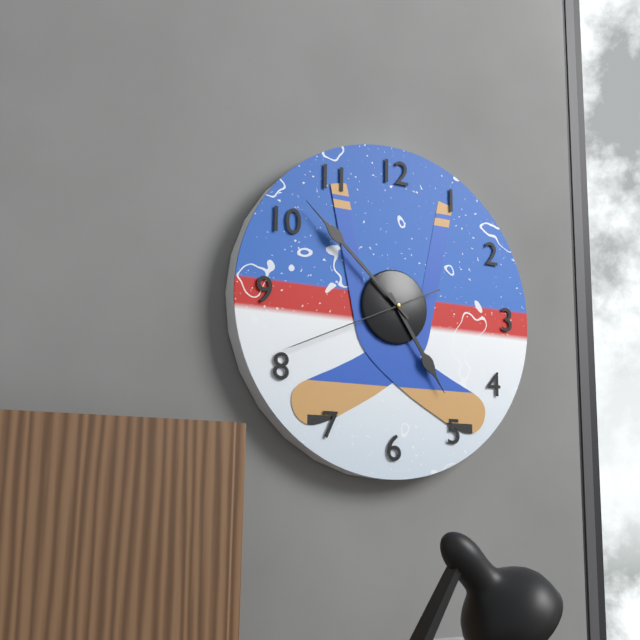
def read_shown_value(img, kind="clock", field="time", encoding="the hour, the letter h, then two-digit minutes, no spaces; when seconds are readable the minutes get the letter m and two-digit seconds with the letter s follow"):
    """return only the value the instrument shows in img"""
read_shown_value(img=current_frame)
4h52m41s
